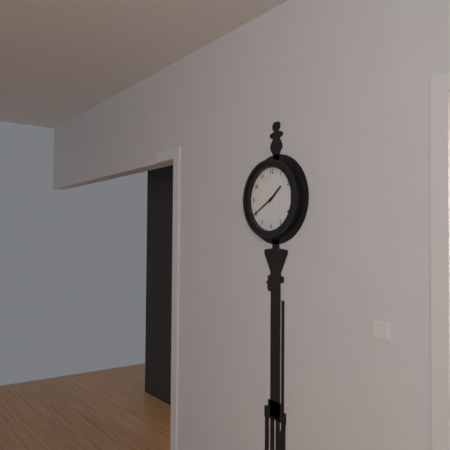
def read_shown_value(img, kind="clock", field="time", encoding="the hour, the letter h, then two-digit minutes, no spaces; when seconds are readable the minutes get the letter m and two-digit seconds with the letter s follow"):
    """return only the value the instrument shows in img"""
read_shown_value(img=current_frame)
1h40
